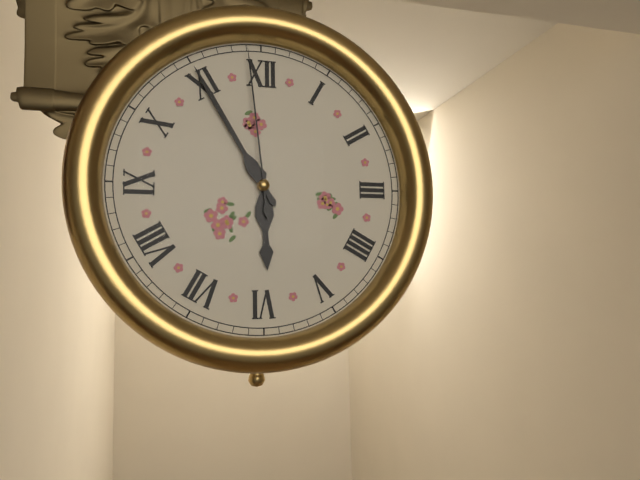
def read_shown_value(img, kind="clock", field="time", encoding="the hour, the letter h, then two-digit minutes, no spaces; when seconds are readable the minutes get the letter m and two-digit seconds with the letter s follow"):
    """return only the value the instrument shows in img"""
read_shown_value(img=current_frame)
5h55m59s
